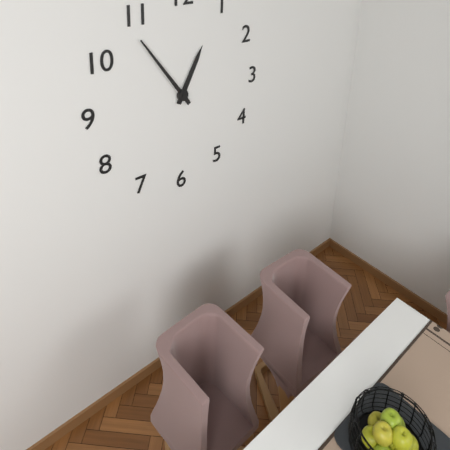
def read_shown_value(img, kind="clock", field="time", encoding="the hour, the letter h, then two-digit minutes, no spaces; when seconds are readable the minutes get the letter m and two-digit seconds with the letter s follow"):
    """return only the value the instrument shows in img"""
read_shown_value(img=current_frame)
12h54
